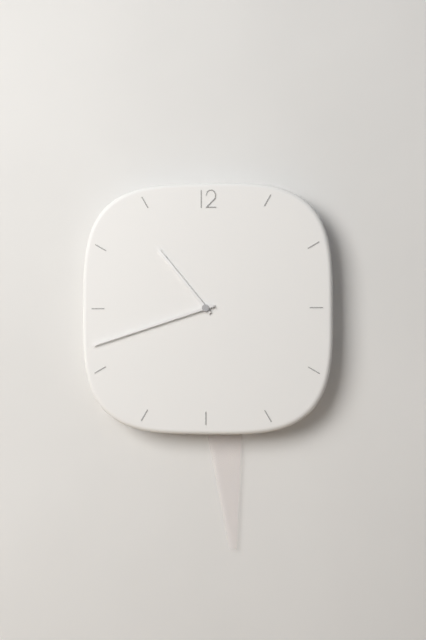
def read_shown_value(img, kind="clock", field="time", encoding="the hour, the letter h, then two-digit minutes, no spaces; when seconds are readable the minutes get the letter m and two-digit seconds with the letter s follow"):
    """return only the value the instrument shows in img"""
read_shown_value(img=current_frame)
10h42
